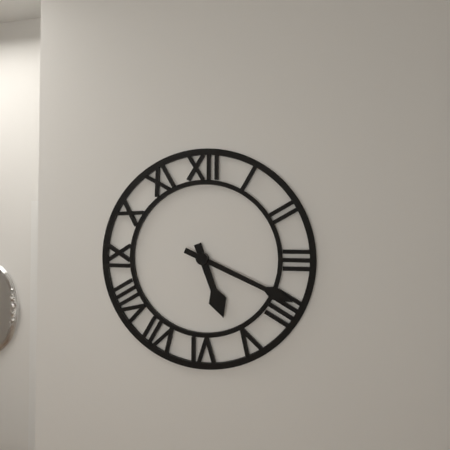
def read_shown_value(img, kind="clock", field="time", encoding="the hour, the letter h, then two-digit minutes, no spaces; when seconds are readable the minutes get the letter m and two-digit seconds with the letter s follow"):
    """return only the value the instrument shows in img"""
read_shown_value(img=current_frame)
5h19
